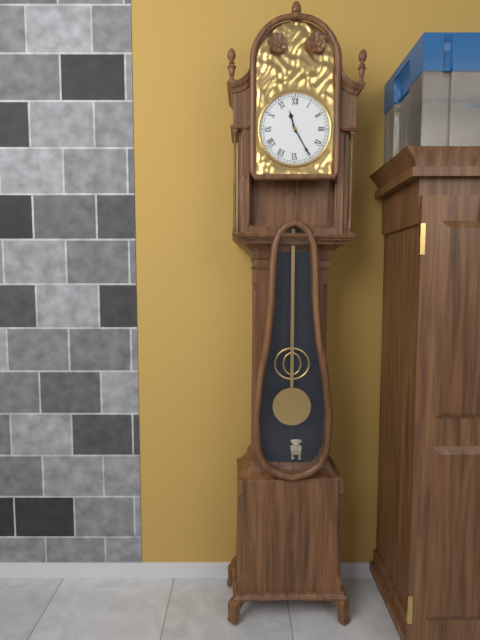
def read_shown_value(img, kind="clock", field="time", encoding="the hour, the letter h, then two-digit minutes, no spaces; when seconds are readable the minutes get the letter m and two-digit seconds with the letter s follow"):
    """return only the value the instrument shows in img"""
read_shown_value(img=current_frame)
11h25
